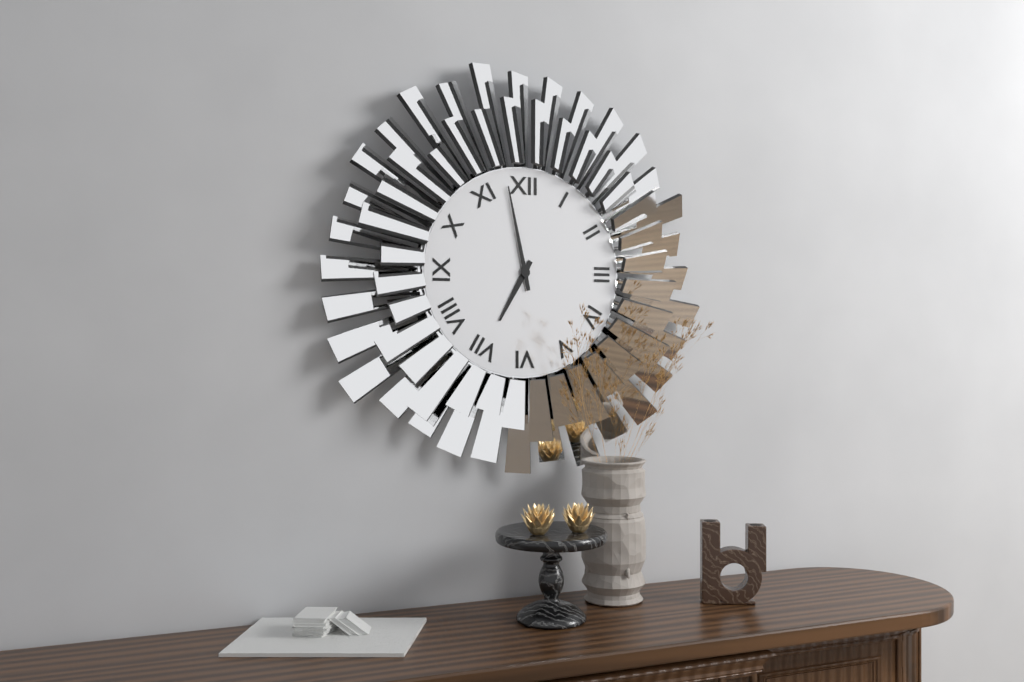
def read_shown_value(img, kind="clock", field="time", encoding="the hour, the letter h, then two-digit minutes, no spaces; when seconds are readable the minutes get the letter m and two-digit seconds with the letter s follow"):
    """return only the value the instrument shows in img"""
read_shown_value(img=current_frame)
6h58
